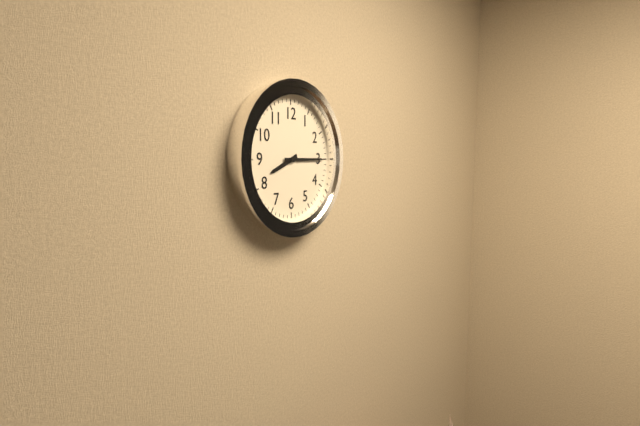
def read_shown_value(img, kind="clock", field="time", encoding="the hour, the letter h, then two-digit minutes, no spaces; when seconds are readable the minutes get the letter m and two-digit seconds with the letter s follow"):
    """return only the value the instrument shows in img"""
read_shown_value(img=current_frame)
8h15
